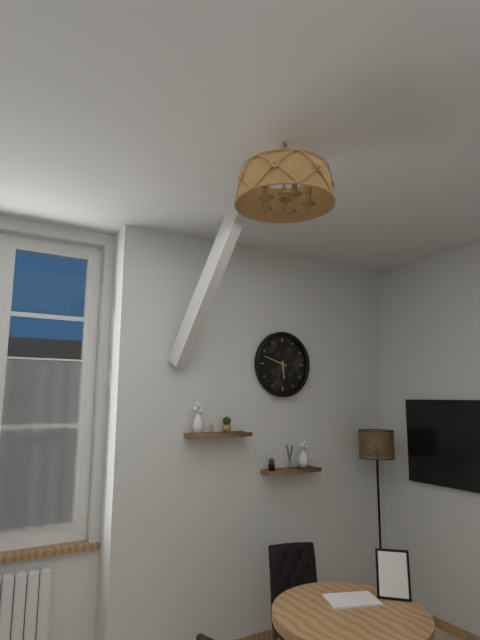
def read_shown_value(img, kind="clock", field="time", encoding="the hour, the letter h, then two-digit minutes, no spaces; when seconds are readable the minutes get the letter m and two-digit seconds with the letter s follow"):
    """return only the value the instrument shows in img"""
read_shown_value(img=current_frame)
5h48
